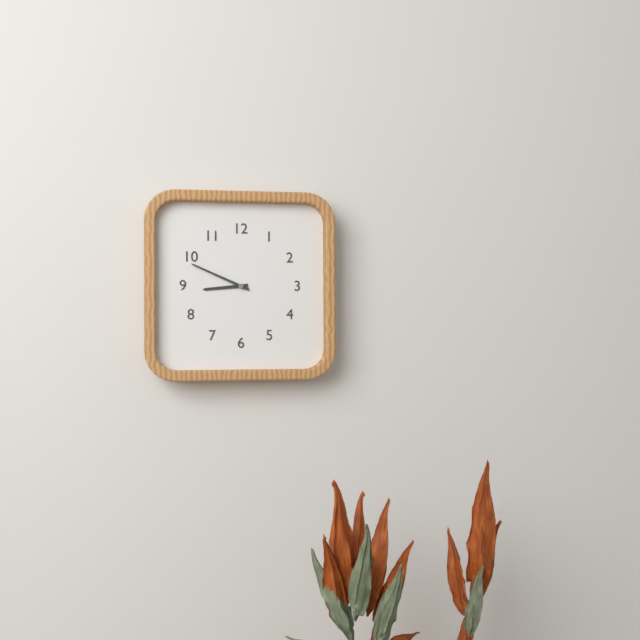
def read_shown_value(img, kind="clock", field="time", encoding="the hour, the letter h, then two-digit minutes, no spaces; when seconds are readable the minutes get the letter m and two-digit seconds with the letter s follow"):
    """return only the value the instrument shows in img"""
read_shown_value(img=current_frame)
8h49
